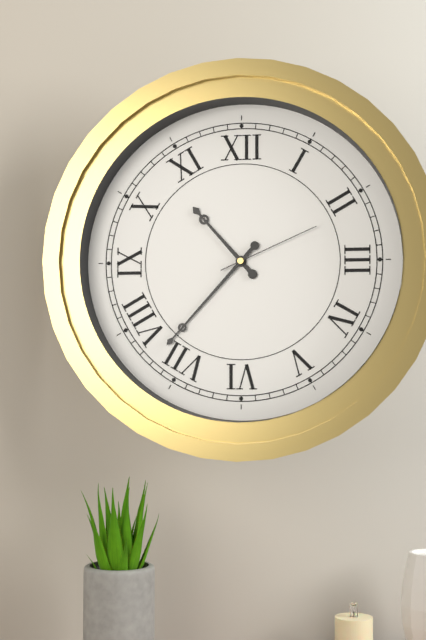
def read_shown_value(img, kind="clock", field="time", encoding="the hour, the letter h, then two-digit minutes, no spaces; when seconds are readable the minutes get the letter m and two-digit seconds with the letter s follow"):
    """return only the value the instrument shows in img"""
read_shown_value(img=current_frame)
10h37m11s
